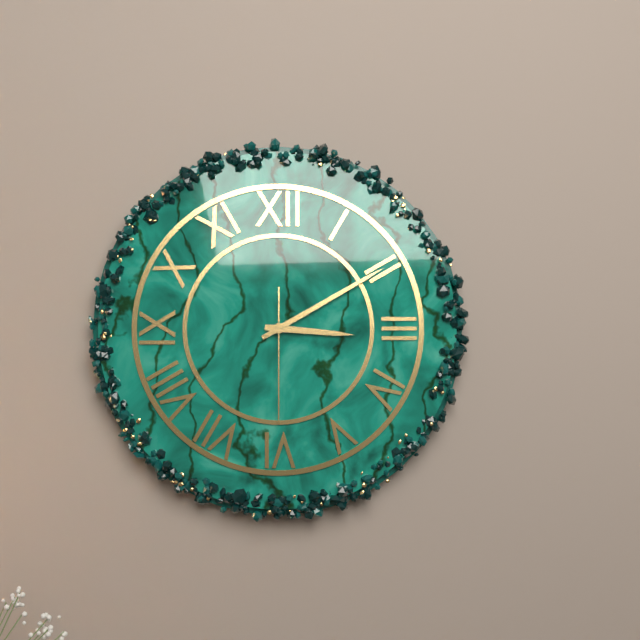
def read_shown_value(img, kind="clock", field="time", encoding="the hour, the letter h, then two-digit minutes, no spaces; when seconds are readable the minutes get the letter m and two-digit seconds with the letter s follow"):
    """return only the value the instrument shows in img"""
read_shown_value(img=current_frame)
3h10m30s
